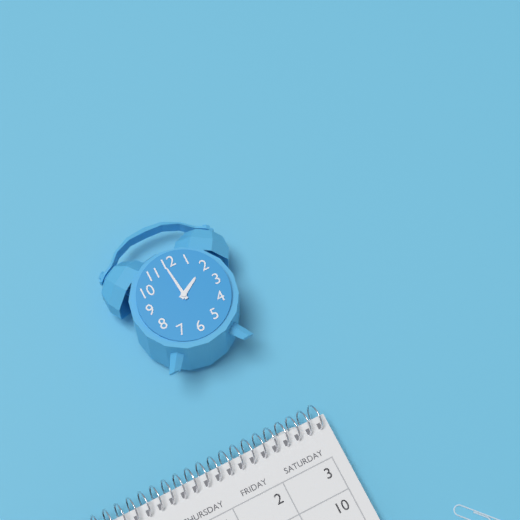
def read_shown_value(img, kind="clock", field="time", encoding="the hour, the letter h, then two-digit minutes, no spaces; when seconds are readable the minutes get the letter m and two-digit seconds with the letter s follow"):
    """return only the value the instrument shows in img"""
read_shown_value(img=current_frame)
1h59
